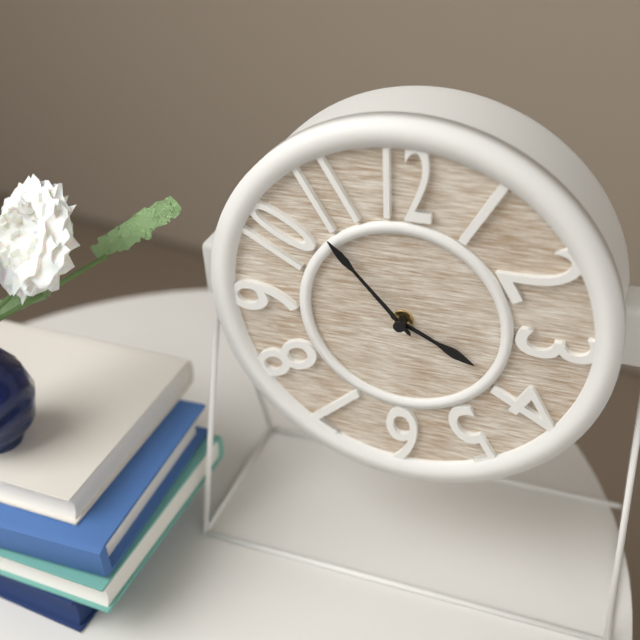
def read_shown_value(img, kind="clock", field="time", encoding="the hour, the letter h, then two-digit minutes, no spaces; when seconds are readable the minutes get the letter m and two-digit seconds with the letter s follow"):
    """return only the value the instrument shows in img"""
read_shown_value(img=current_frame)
3h53
